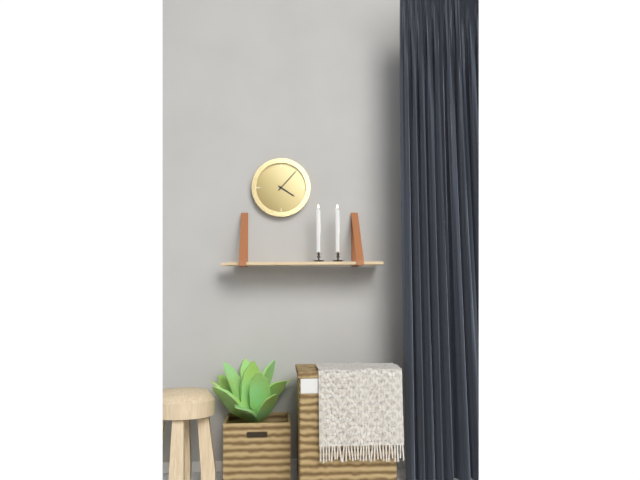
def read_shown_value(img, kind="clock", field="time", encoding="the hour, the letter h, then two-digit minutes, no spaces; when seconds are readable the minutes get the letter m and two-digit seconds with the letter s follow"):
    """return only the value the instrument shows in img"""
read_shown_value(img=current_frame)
4h07
